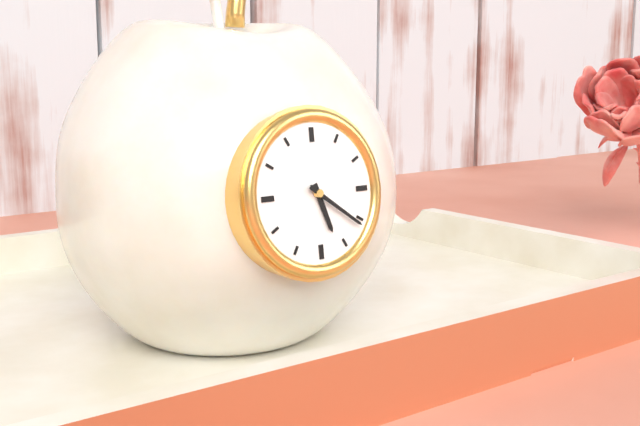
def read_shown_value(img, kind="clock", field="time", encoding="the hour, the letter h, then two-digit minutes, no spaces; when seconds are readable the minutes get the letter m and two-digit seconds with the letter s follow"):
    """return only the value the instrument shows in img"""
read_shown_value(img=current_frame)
5h21
